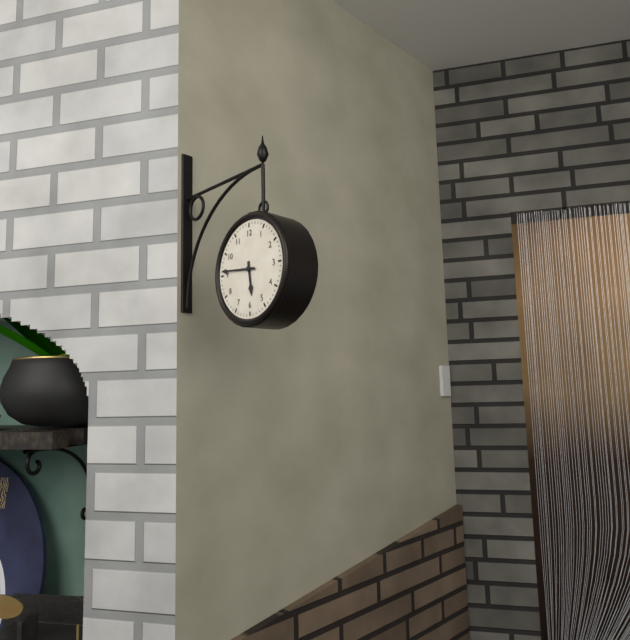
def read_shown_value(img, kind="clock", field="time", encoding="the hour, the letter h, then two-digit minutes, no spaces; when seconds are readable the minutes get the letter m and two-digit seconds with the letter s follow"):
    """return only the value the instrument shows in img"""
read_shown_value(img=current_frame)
5h46
